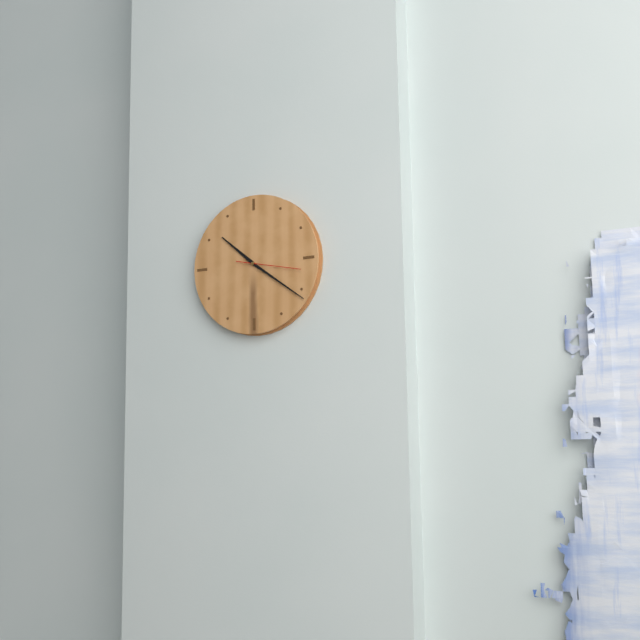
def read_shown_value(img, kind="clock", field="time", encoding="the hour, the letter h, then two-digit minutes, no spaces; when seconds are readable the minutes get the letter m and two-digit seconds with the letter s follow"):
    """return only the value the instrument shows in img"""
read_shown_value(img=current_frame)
10h21m17s
